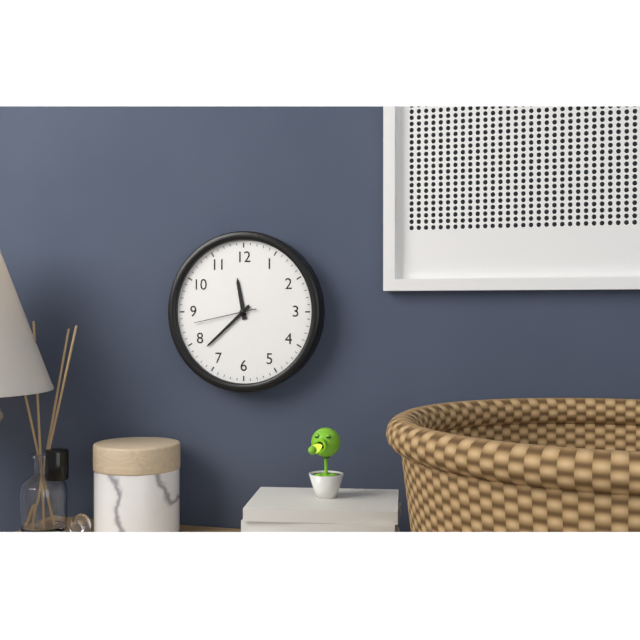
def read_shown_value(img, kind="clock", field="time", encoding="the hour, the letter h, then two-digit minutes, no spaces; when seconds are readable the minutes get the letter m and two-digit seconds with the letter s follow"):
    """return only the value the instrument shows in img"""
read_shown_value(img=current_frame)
11h38m43s
